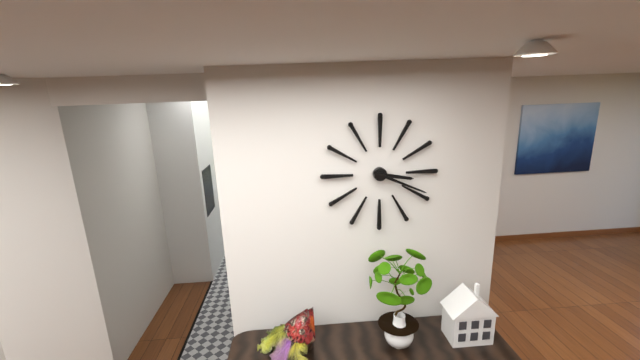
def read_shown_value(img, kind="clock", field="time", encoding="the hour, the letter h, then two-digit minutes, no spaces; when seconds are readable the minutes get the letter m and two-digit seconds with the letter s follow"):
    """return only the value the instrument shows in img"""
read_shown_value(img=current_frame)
3h19
